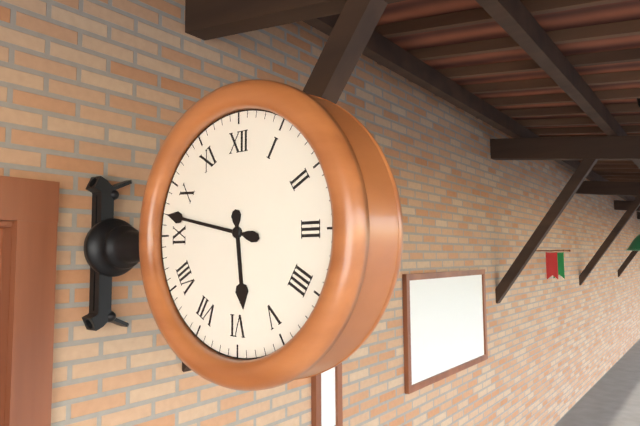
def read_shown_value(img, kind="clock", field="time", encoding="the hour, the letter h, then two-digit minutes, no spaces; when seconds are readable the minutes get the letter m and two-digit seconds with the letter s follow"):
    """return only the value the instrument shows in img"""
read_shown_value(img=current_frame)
5h47
